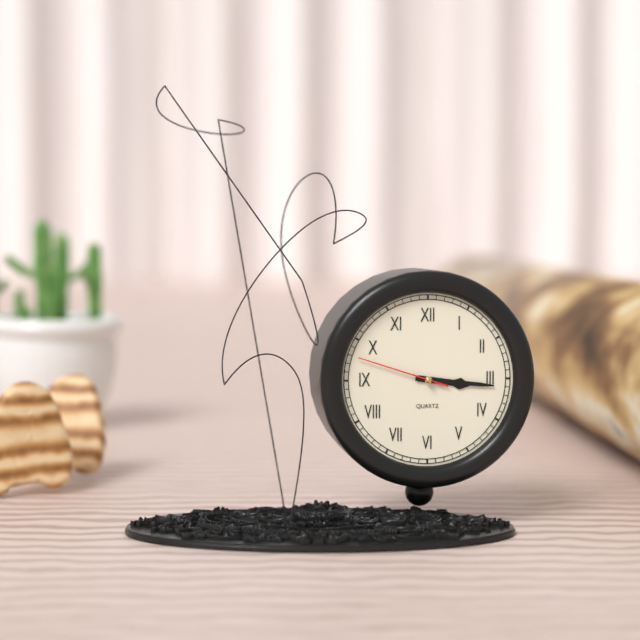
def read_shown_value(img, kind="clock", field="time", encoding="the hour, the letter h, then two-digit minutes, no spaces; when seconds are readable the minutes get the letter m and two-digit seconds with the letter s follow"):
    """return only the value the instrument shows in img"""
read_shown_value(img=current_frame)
3h16m48s
